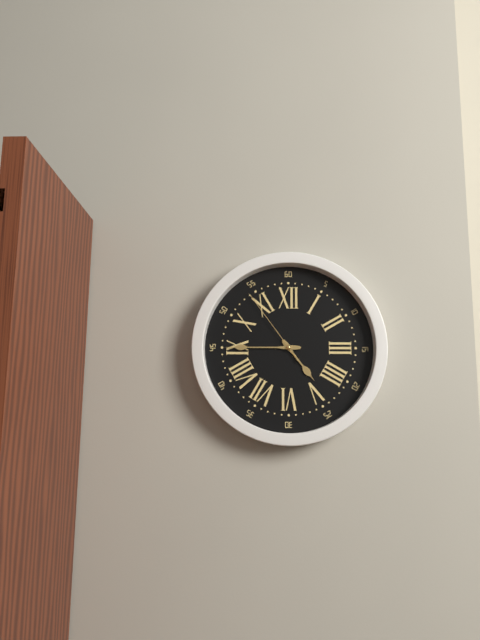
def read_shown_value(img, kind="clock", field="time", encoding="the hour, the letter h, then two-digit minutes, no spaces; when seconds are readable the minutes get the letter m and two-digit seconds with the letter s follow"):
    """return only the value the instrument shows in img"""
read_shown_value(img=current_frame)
4h45m54s
